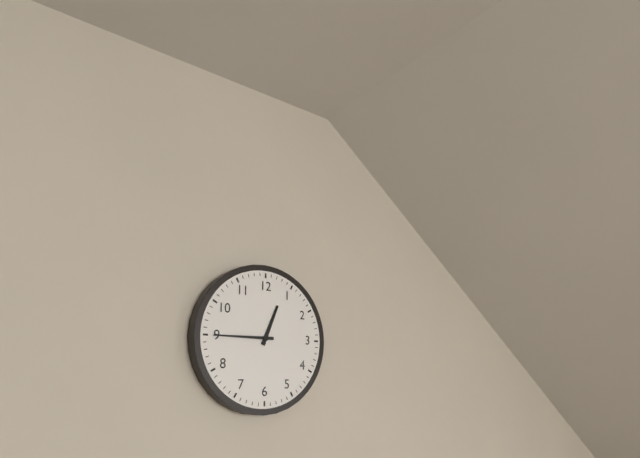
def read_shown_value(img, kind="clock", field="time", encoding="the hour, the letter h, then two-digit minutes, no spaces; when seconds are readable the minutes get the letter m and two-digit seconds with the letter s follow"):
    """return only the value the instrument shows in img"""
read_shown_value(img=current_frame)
12h45
